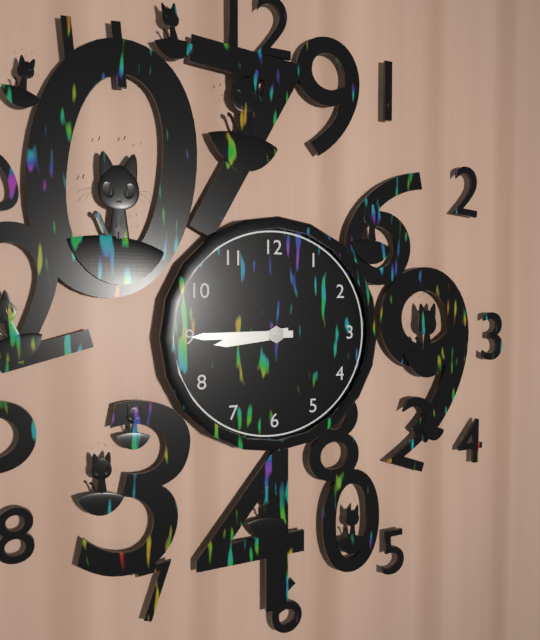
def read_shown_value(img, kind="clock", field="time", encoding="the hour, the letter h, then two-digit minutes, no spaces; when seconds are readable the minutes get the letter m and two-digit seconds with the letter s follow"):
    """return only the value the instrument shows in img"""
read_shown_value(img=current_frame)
8h45
